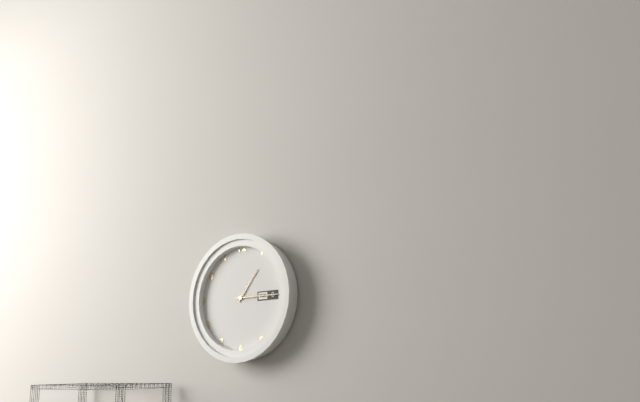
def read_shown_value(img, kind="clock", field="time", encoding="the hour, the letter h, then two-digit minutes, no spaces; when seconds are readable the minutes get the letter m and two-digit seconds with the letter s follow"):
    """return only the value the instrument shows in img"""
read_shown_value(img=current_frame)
1h15
